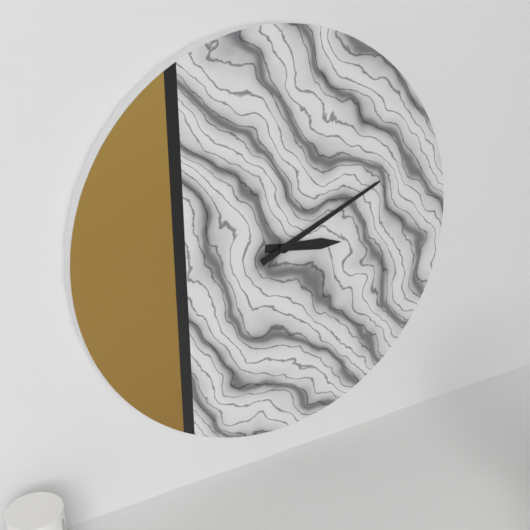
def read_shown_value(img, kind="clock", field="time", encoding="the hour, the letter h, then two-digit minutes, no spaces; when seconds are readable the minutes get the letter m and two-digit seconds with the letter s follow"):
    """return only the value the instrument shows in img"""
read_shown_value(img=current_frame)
3h11
